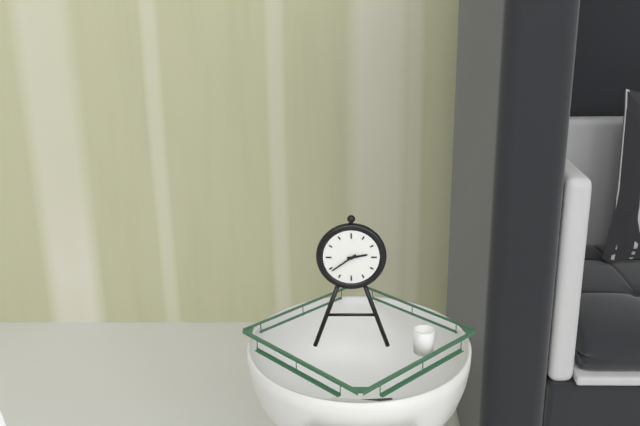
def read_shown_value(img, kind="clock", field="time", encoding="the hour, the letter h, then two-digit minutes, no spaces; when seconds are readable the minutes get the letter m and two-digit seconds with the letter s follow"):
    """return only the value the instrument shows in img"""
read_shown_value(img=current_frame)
2h39
